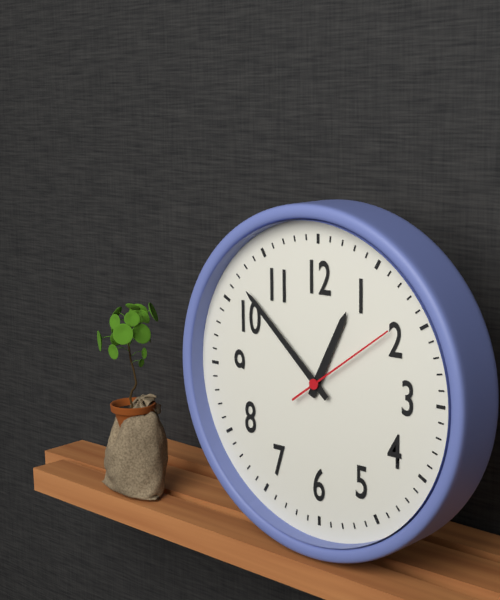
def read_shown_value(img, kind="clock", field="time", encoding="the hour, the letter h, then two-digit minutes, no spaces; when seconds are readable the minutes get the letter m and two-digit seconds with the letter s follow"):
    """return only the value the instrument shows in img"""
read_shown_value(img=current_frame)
12h52m09s
